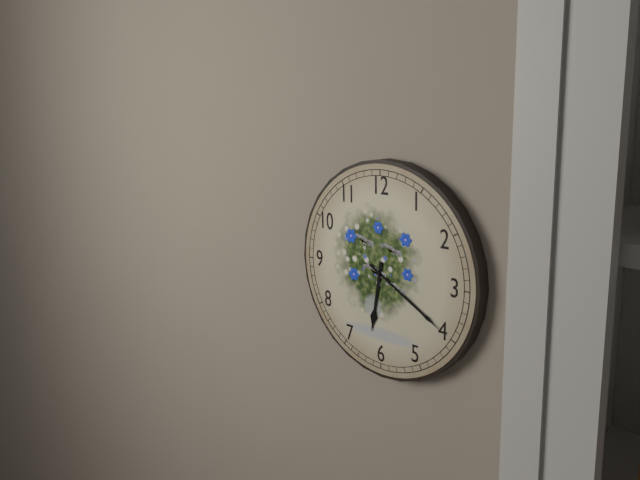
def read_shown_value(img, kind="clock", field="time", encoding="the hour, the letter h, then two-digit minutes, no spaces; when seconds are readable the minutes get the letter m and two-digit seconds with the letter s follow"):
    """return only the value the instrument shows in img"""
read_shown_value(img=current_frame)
6h20
